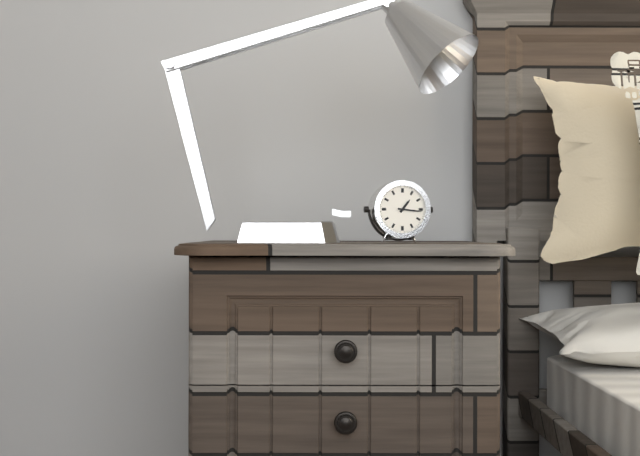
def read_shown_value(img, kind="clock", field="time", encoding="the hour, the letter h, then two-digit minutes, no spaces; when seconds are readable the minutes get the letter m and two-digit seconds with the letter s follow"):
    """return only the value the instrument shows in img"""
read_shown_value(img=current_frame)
1h16
